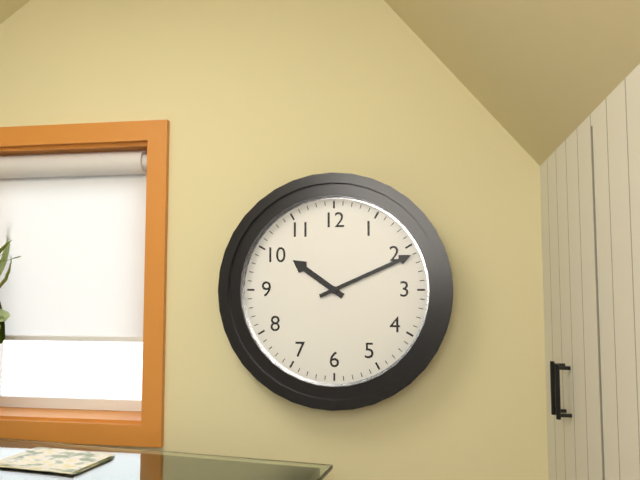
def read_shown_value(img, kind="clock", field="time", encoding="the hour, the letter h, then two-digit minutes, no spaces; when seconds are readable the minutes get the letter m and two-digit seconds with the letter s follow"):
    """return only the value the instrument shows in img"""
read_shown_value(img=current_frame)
10h11
